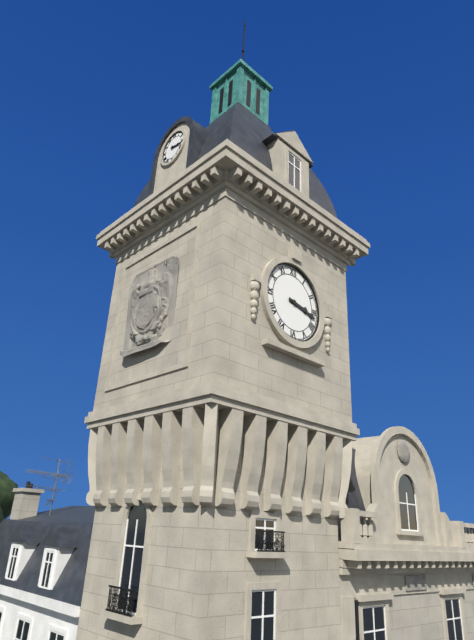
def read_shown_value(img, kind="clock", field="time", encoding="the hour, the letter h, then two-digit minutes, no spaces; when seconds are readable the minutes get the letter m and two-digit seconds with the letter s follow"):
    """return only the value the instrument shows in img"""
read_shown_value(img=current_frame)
3h17
